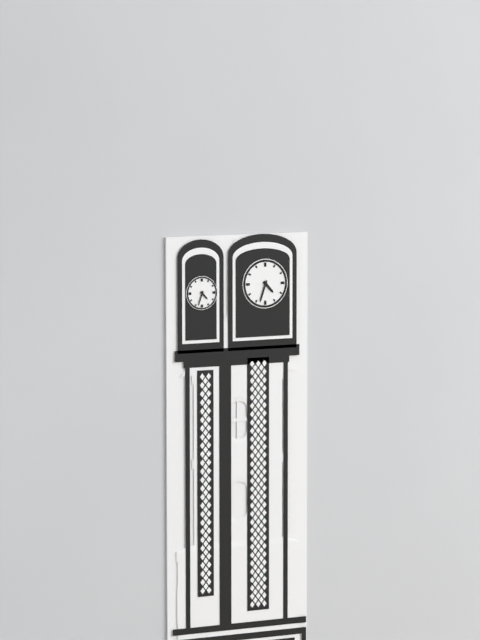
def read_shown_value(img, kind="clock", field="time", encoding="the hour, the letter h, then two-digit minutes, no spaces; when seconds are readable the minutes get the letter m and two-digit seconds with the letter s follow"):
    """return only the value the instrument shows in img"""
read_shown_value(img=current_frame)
4h33
